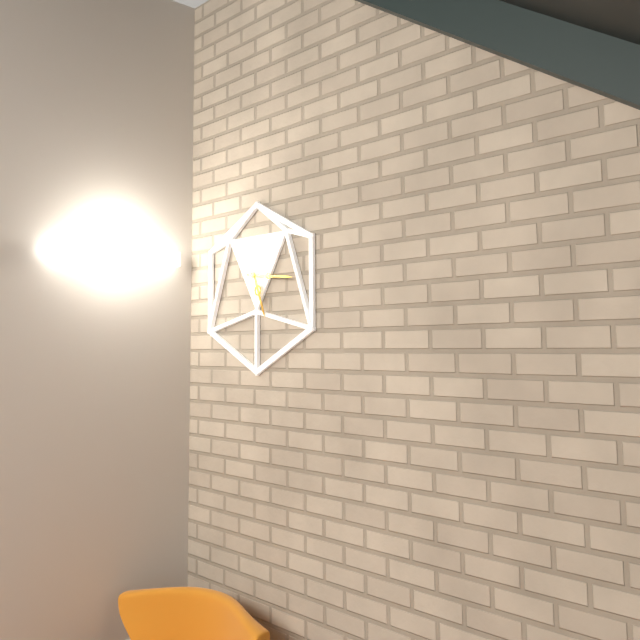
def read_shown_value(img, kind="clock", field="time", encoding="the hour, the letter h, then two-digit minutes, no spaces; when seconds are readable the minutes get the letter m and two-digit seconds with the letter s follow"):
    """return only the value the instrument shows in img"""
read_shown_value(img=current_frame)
5h16
